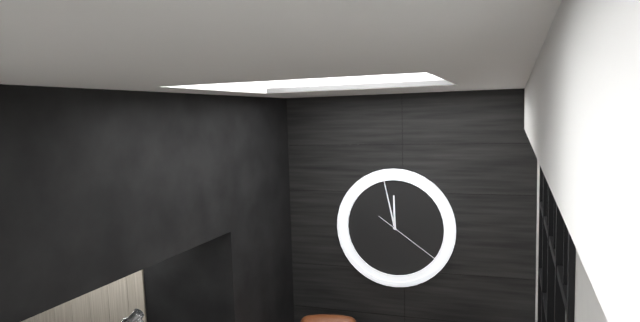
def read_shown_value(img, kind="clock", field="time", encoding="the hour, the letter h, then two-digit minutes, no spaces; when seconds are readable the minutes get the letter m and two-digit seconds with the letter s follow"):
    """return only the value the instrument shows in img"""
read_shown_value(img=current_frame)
11h58m21s
